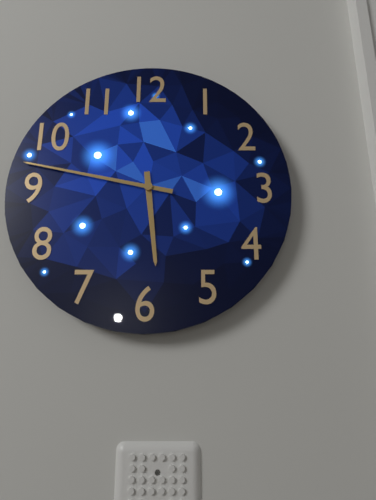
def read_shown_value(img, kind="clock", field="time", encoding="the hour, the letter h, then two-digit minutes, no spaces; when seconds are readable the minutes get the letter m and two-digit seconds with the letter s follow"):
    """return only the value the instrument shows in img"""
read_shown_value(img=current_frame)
5h47
